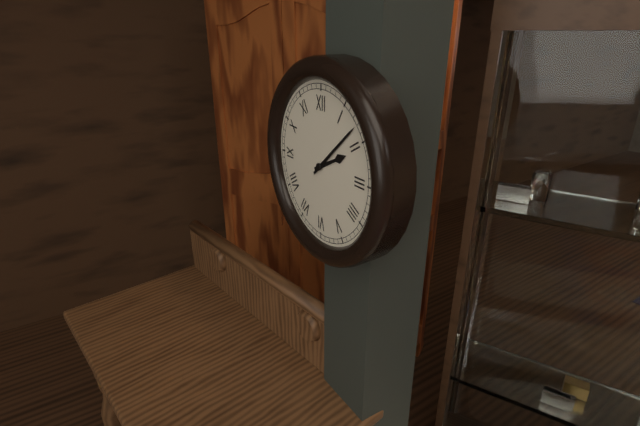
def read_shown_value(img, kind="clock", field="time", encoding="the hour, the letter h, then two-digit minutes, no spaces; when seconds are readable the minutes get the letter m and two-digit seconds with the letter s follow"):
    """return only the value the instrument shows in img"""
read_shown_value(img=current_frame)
2h08
